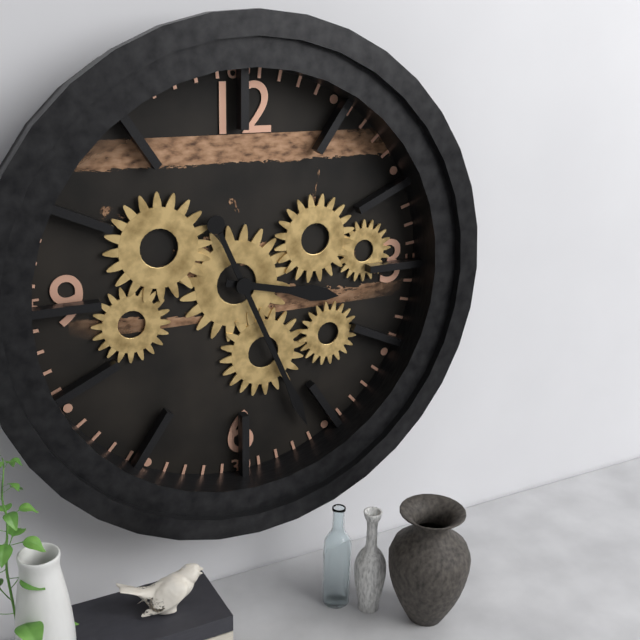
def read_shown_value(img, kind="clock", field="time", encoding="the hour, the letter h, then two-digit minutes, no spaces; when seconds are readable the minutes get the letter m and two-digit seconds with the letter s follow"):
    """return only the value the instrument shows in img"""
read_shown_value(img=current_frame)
3h26
